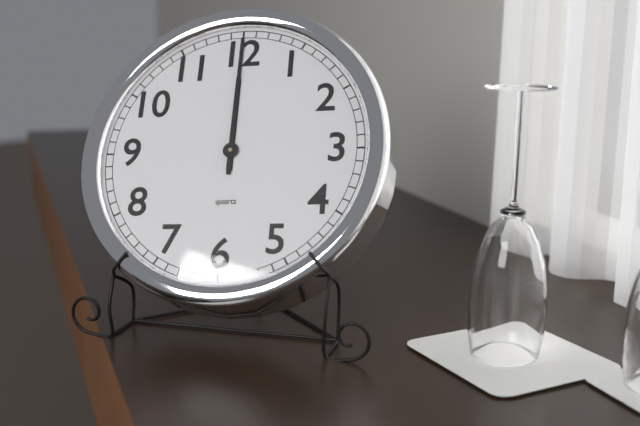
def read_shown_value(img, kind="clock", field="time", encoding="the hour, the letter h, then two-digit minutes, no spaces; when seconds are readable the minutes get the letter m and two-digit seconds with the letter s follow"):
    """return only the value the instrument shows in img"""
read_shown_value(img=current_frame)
12h00
